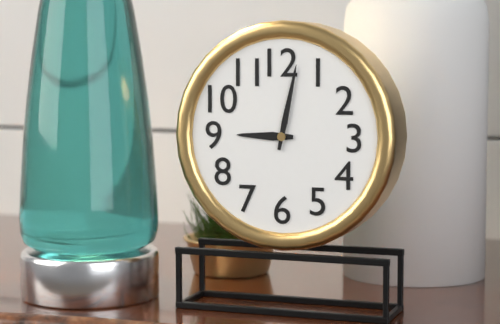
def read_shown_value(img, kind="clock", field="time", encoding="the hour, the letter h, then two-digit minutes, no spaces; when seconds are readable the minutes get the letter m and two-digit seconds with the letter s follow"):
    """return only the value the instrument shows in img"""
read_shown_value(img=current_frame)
9h02
